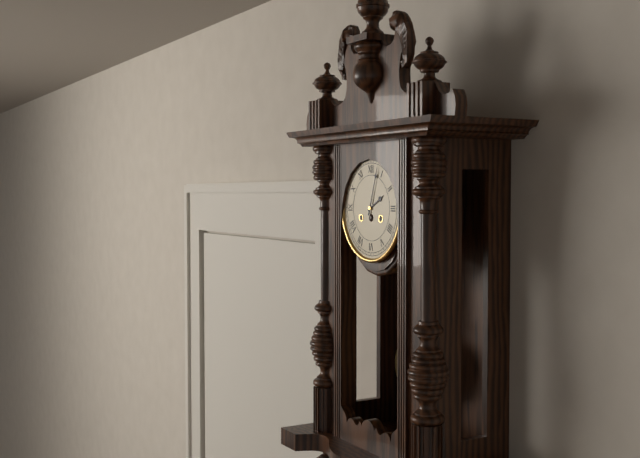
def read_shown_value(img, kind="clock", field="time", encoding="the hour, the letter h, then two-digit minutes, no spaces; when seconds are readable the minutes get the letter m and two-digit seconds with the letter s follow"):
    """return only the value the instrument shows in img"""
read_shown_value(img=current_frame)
2h03
